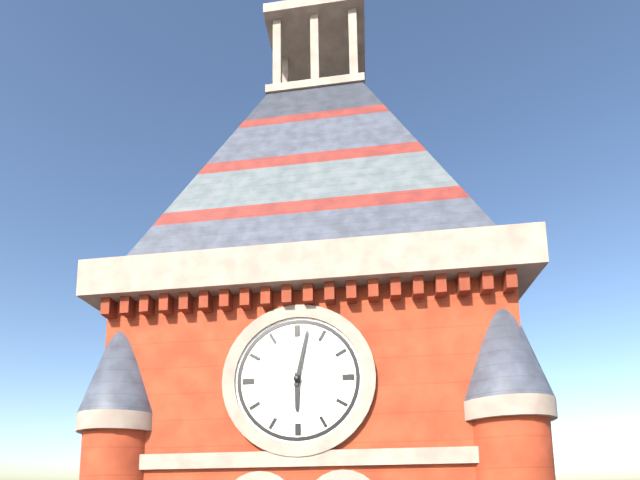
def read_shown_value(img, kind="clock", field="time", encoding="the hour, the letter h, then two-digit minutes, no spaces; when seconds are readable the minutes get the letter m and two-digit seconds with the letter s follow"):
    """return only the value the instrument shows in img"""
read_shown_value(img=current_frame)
6h02
